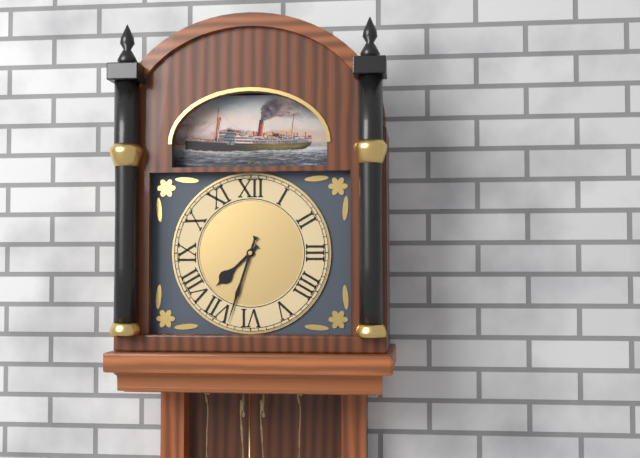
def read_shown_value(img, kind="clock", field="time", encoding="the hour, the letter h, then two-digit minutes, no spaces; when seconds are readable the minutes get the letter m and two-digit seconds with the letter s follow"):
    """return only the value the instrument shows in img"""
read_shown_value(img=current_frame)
7h33
